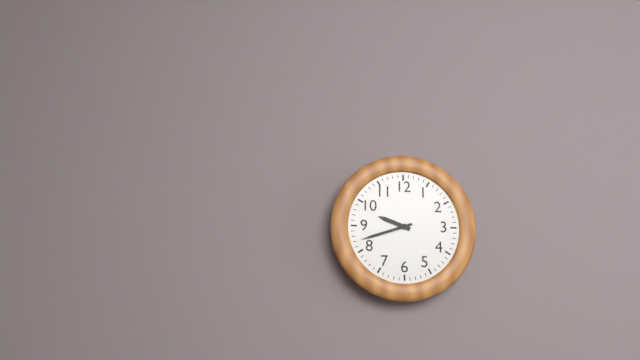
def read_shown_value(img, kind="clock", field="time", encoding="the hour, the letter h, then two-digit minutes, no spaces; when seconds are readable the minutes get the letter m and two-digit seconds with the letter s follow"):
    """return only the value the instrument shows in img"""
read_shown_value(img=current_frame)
9h42
